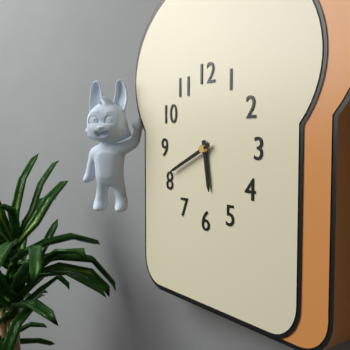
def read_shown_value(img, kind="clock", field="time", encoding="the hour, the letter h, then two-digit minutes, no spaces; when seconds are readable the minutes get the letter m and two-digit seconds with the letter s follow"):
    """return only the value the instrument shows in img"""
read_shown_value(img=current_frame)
5h41
